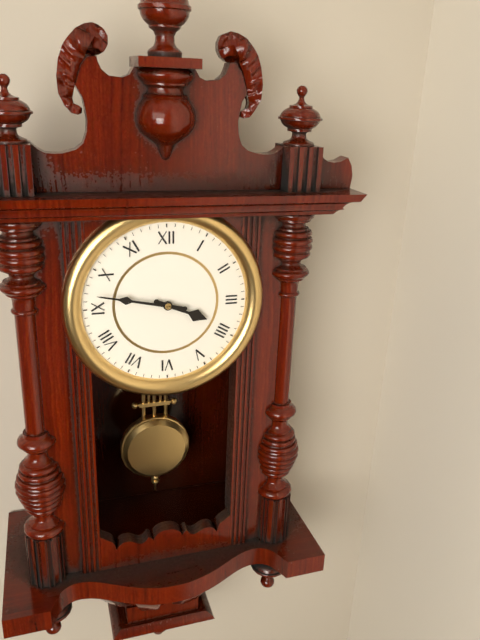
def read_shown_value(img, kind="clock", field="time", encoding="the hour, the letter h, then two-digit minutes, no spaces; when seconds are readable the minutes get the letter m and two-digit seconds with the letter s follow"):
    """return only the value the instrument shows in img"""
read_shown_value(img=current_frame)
3h47
